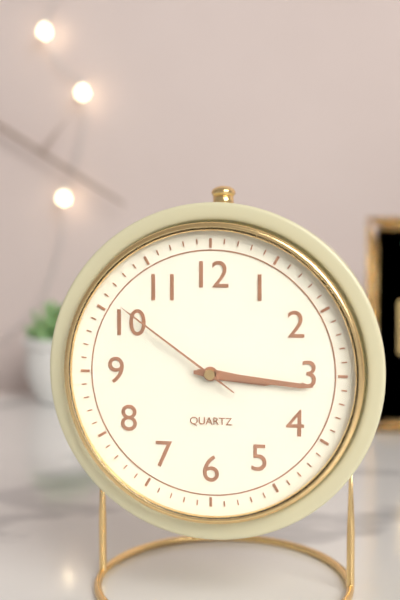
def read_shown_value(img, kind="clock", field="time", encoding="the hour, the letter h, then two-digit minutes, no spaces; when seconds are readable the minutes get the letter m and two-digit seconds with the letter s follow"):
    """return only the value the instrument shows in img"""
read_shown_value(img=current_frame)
3h16m51s
